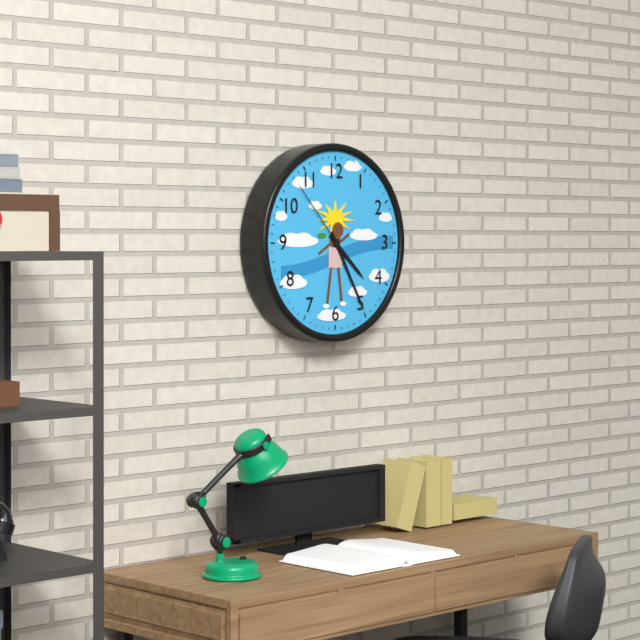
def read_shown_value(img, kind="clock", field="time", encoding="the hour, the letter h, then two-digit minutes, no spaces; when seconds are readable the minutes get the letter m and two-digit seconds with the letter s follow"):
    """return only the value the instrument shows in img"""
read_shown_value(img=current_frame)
4h25m53s
